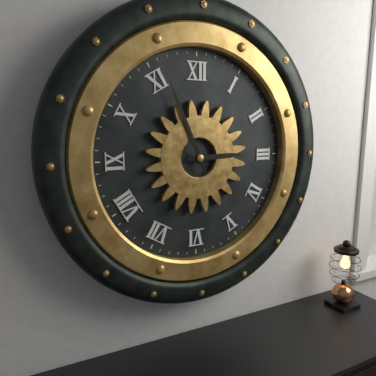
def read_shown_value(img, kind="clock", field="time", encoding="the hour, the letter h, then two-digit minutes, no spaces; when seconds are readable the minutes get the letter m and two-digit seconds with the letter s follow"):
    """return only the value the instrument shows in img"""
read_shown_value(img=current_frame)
2h56
